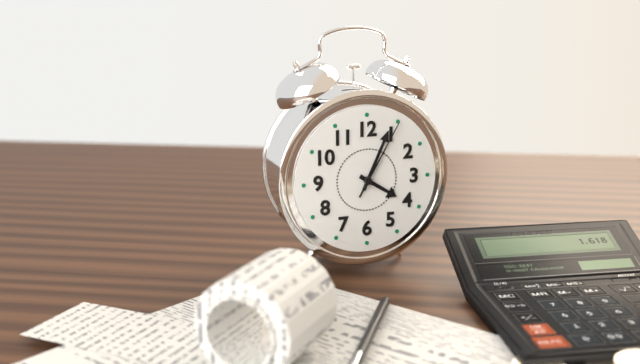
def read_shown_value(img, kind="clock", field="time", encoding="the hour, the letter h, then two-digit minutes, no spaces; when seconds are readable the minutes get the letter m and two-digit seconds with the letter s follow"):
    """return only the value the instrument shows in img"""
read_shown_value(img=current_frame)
4h04m05s
